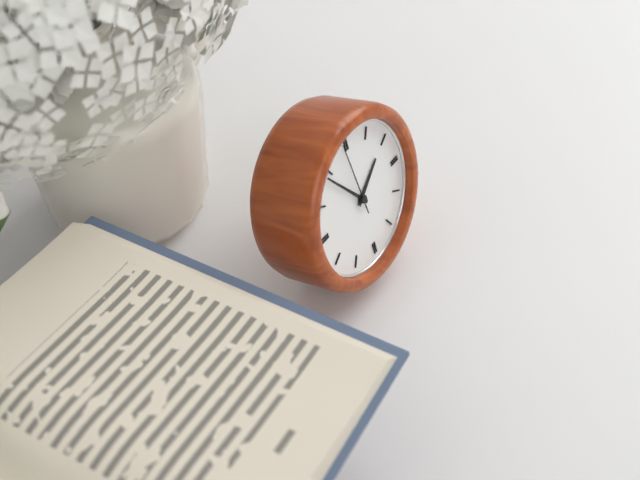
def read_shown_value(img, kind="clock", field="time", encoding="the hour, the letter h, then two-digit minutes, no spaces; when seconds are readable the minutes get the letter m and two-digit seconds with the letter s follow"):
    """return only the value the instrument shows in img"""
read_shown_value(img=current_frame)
1h54m59s
